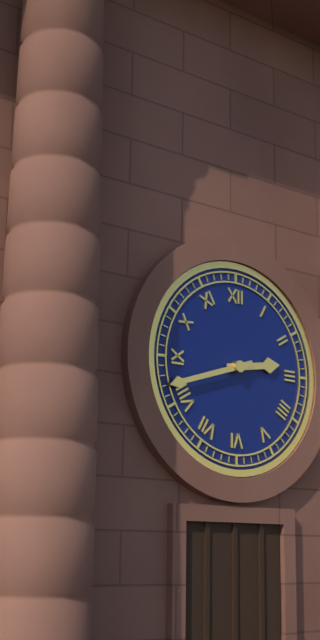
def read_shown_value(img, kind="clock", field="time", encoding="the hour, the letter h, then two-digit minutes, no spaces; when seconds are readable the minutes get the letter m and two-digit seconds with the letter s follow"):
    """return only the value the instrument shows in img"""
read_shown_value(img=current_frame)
2h42
